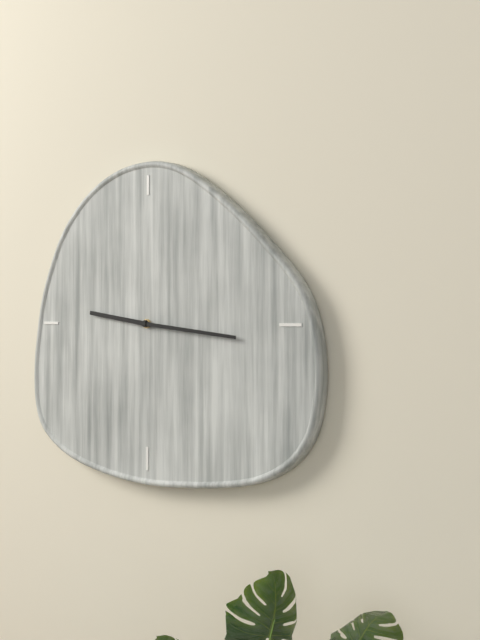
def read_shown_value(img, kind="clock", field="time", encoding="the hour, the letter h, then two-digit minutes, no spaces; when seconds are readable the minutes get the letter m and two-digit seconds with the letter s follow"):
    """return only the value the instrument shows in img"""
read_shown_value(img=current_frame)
9h16
